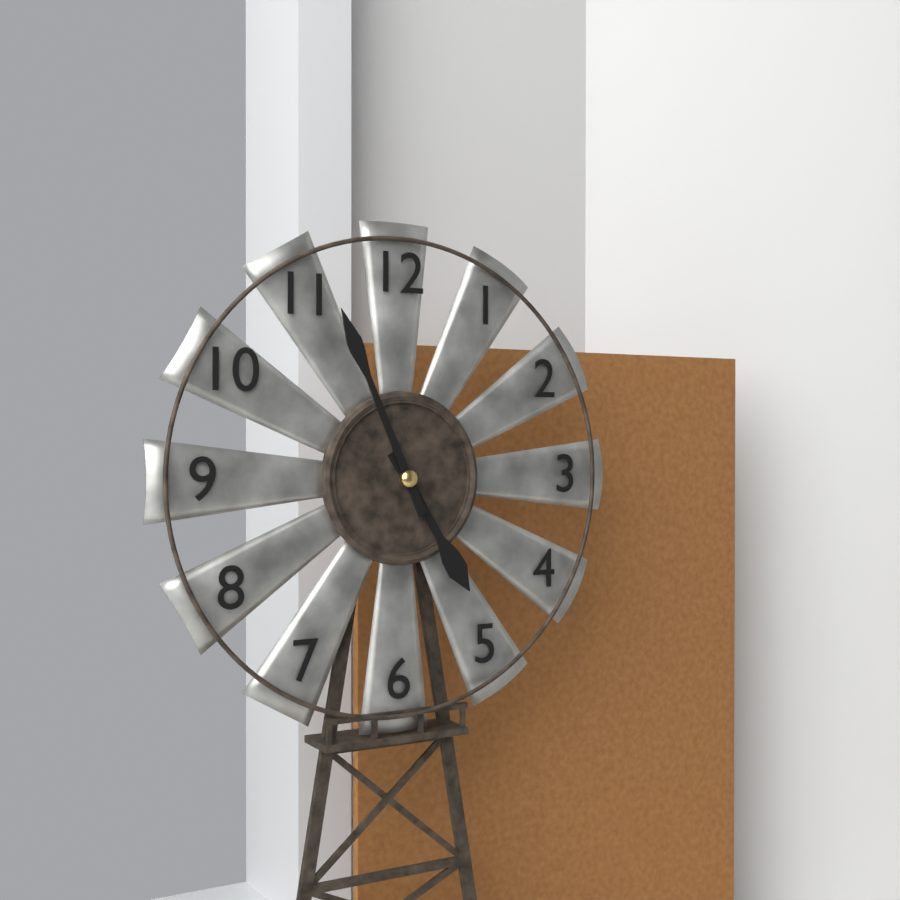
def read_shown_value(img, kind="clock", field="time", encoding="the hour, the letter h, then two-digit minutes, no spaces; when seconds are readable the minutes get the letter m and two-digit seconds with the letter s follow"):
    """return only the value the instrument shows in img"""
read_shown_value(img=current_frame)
4h56
